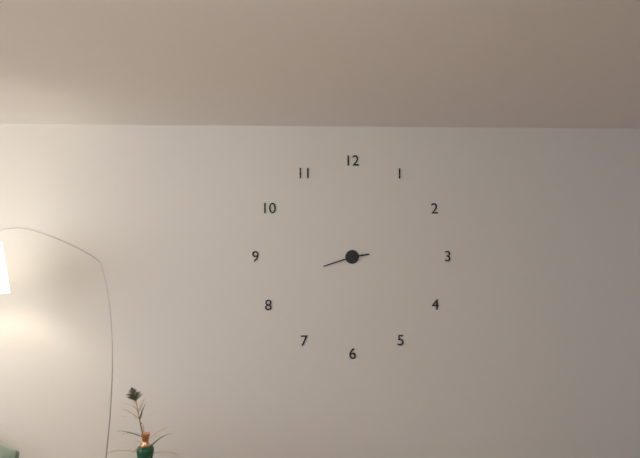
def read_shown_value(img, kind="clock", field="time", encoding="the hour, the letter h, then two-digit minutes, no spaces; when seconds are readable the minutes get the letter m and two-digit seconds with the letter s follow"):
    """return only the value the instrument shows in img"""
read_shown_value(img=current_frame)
2h42
